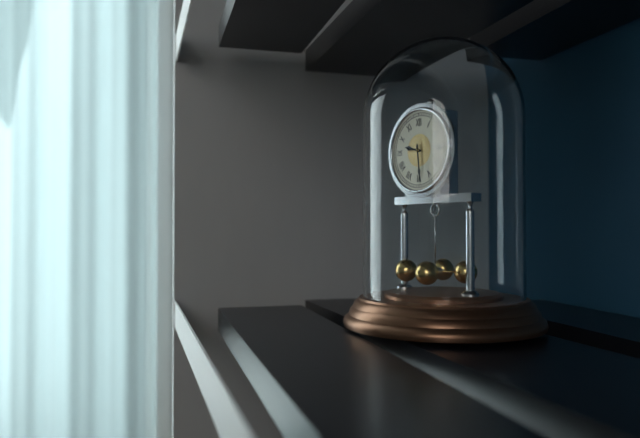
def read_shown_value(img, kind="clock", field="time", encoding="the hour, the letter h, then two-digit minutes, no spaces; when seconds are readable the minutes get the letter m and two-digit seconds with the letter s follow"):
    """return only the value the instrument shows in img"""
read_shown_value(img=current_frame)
9h29
